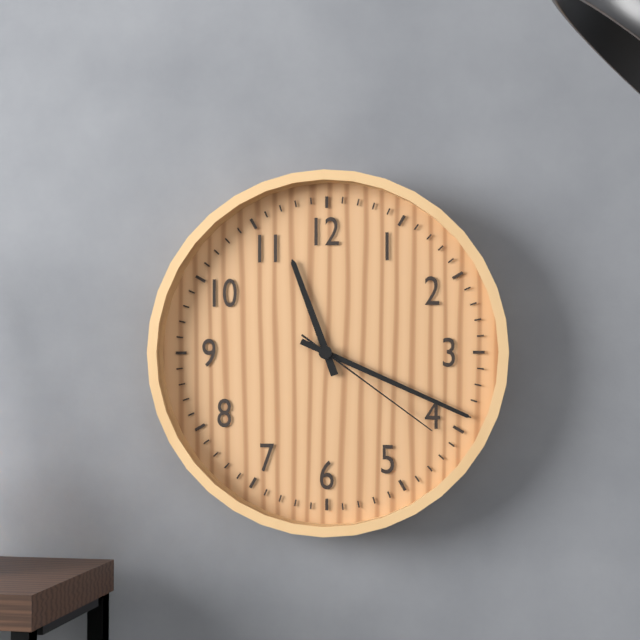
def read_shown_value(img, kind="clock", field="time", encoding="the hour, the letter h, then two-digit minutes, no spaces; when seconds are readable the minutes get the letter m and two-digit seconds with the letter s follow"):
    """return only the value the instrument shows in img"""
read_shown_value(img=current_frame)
11h19m21s
